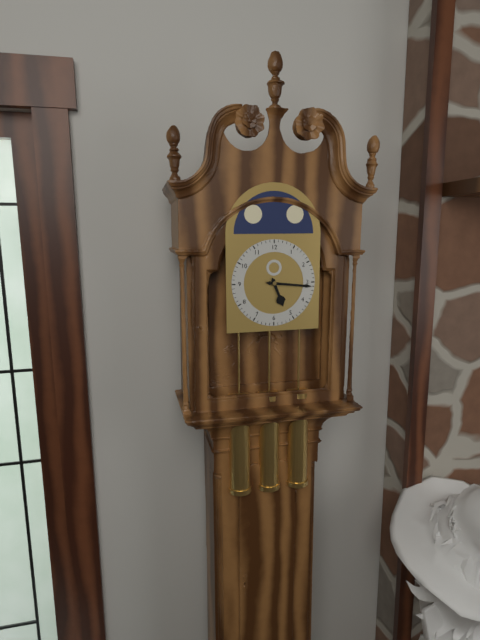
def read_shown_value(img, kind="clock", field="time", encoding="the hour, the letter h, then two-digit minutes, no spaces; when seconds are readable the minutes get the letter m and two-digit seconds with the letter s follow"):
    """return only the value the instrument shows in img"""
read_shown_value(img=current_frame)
5h16
